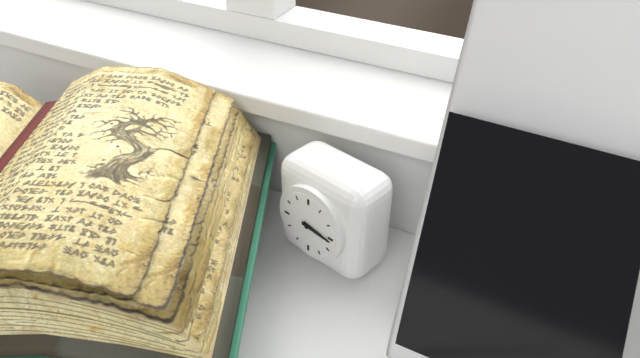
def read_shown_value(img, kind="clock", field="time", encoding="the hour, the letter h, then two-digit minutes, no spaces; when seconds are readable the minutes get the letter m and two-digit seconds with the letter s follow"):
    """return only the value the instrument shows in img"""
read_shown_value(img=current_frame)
3h16
